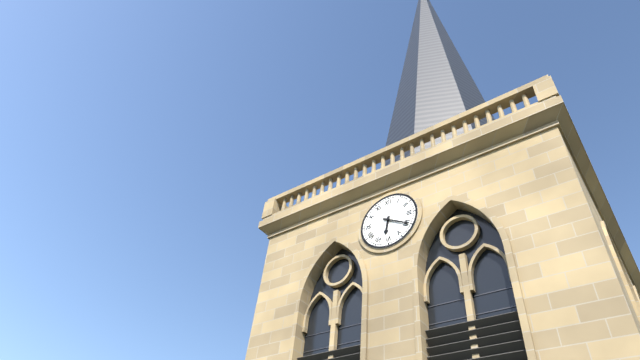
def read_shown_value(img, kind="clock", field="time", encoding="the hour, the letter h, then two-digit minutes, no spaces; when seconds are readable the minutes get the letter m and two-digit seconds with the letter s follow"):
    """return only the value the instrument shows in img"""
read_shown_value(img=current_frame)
6h20
